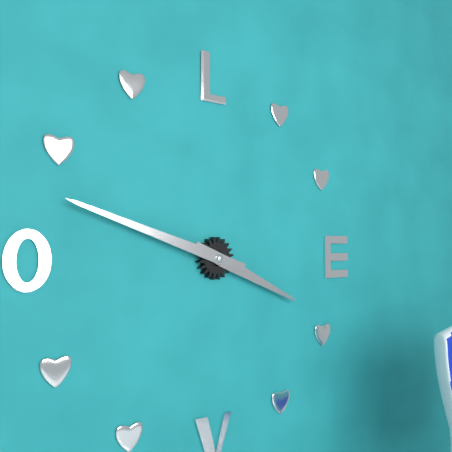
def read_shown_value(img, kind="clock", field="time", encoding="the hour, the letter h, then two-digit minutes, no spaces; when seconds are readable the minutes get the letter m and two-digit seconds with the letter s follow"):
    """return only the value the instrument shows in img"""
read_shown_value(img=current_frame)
3h48
